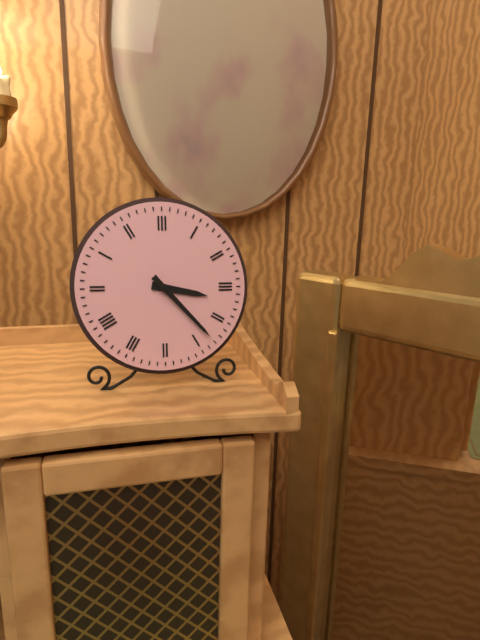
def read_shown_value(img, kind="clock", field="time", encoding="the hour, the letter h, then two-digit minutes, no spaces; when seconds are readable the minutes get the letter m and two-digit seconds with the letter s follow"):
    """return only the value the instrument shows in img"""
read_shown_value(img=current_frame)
3h23
